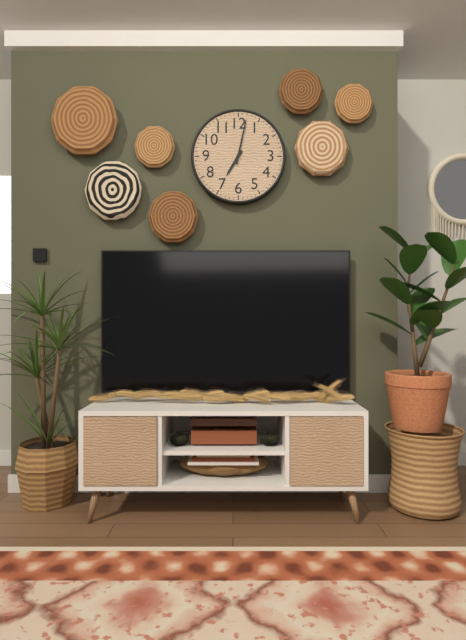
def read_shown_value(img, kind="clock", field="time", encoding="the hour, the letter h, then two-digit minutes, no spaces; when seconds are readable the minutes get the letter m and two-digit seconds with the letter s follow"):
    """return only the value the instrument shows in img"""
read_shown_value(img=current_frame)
7h02
